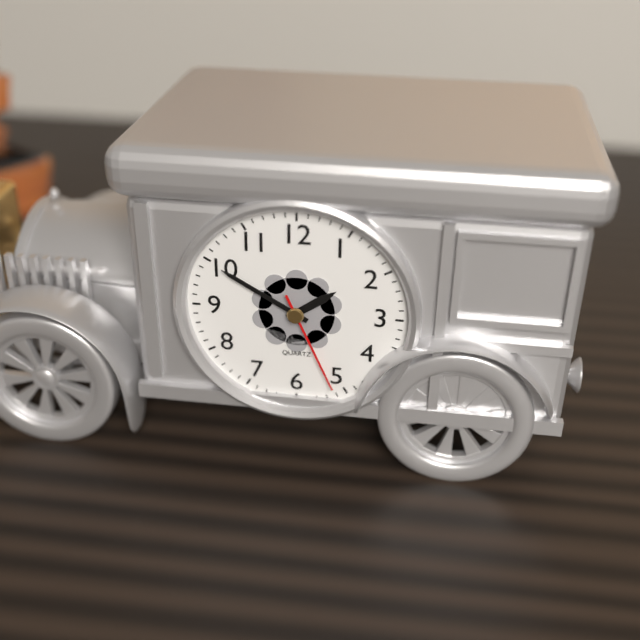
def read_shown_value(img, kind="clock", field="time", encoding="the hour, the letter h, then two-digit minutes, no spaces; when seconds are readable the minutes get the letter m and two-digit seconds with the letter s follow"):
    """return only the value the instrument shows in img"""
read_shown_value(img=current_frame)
1h50m26s
